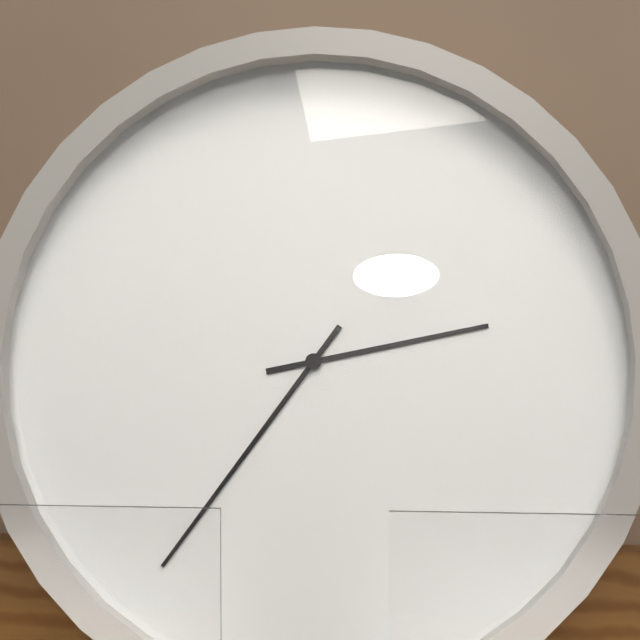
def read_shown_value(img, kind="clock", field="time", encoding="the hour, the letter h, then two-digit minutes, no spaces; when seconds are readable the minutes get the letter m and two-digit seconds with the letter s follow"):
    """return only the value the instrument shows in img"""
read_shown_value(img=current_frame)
2h36
